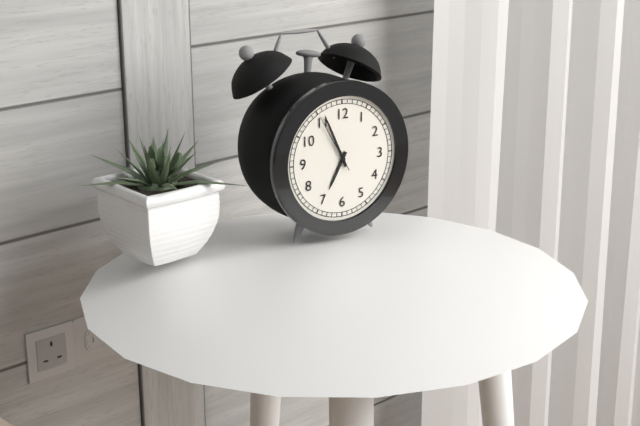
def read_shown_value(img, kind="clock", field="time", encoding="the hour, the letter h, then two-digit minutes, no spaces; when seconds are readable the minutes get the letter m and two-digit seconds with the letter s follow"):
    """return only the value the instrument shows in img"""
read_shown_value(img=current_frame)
6h56m55s
